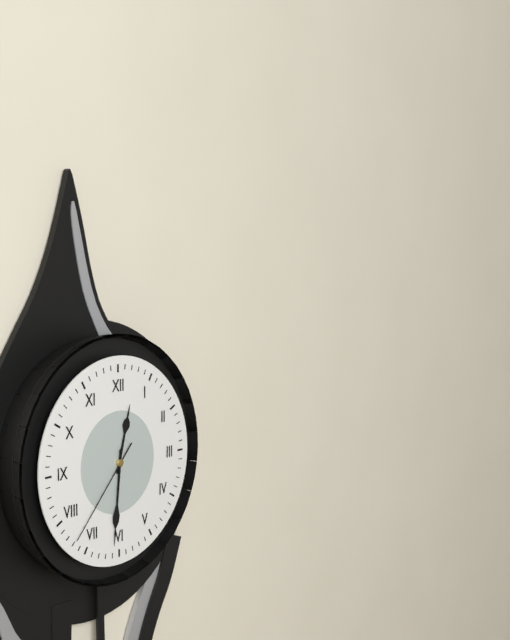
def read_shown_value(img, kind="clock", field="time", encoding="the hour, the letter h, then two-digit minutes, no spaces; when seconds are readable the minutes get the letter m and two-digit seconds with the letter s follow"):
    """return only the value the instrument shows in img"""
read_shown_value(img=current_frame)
12h31m37s
